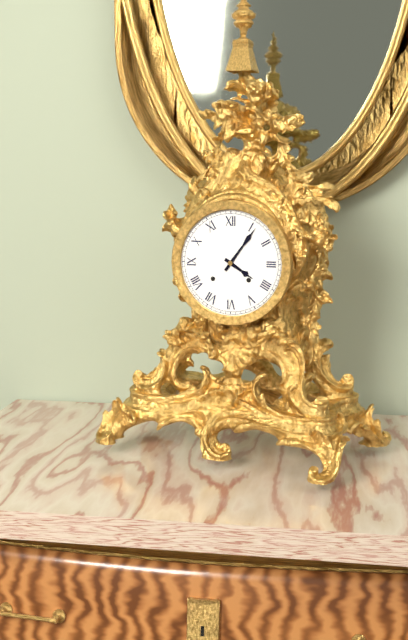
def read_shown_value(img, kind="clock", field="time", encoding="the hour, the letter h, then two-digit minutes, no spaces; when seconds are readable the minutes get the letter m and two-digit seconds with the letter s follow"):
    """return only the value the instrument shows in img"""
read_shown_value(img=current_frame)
4h06
